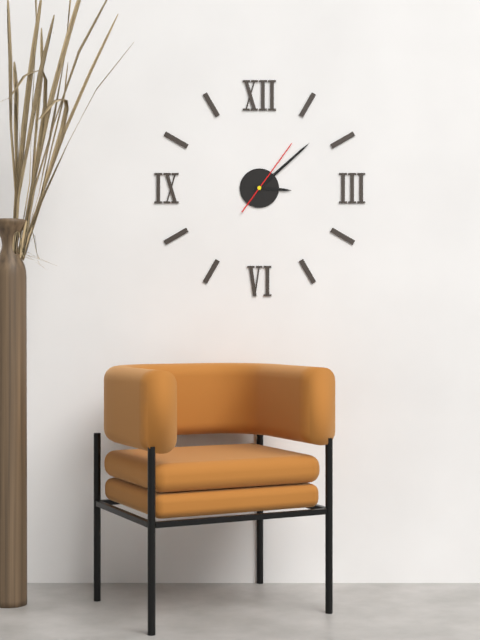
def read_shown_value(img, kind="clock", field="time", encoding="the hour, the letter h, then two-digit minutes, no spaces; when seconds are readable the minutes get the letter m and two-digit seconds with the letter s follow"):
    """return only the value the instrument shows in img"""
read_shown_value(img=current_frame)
3h08m06s
